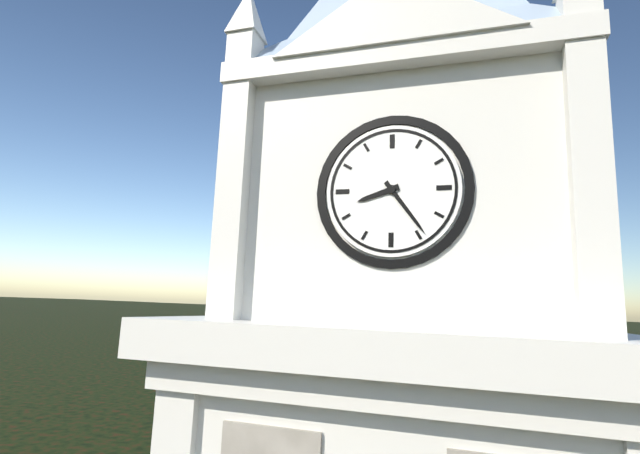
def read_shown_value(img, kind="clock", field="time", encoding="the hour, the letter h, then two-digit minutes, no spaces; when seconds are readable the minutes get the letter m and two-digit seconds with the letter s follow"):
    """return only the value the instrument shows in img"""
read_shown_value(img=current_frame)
8h24
